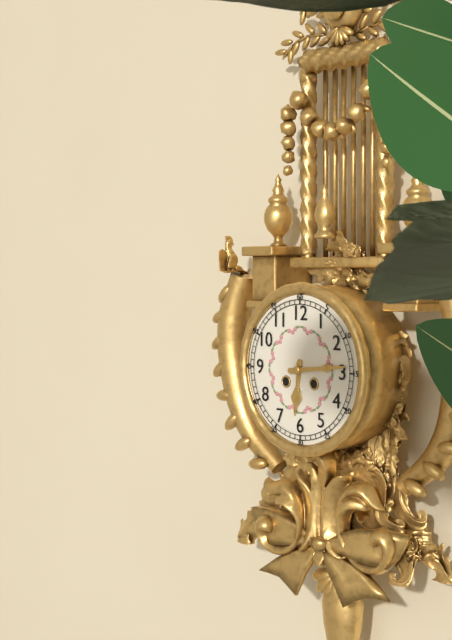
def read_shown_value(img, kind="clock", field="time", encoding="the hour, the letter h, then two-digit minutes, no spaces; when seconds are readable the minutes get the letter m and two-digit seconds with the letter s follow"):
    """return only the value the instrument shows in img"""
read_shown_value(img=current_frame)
6h14
